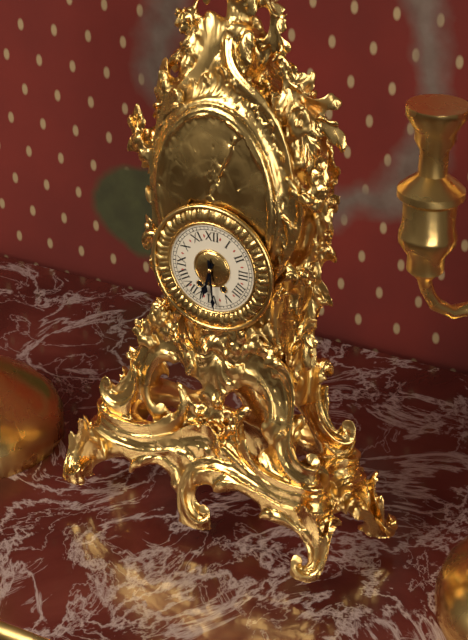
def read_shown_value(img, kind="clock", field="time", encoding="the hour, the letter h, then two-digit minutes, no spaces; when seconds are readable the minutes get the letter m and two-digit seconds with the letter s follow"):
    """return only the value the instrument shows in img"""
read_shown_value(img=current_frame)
6h29
